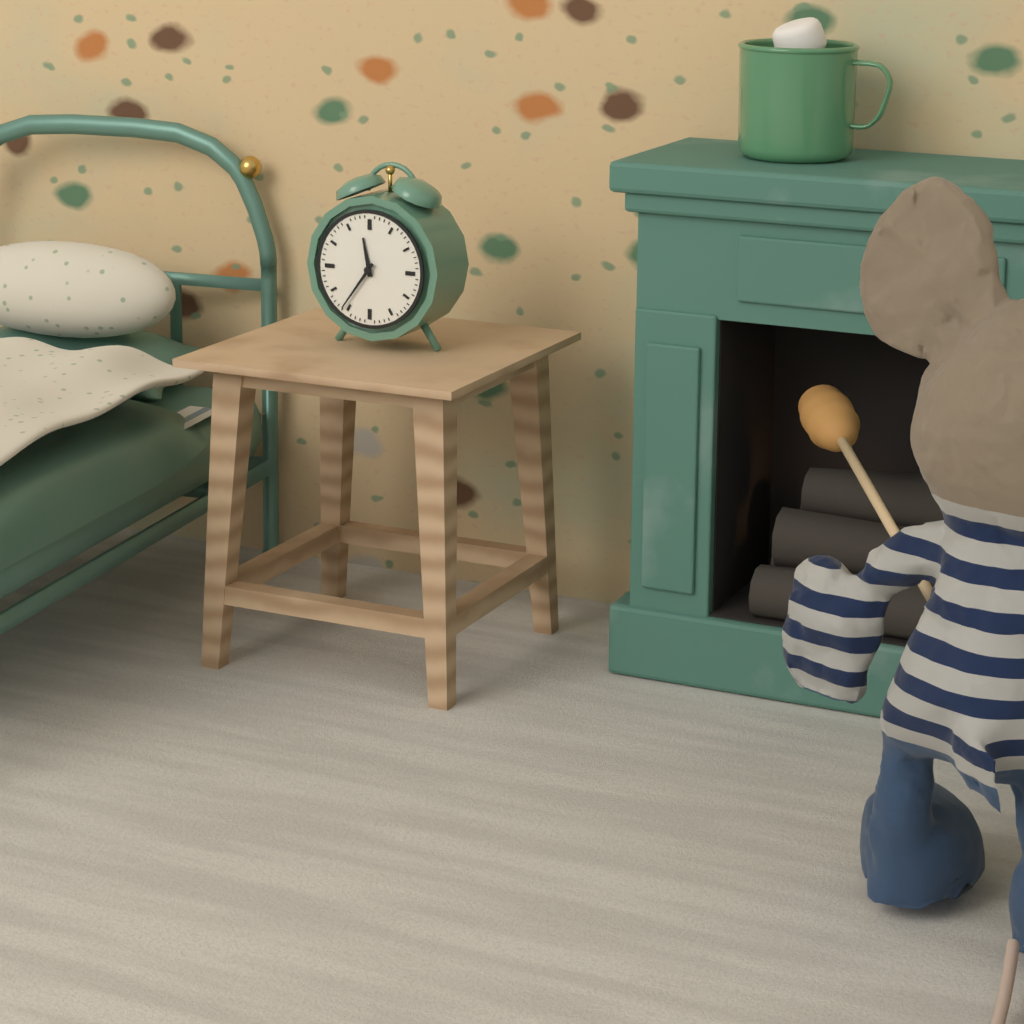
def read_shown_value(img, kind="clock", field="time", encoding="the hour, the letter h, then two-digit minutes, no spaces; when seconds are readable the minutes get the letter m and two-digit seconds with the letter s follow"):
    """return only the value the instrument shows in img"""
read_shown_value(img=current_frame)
11h36
